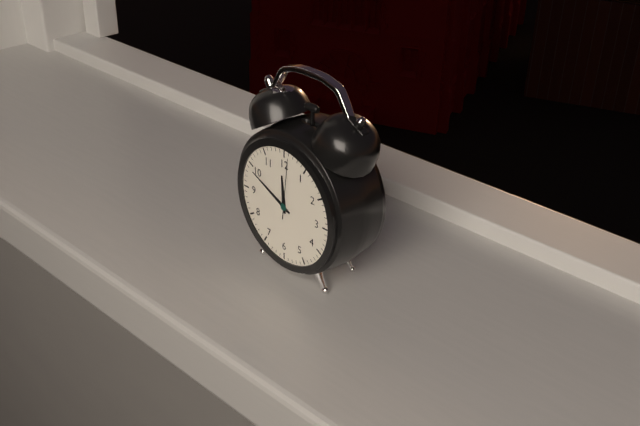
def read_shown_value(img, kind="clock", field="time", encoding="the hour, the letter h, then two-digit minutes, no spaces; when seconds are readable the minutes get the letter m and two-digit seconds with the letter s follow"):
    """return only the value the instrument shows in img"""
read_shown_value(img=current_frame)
11h49m01s
